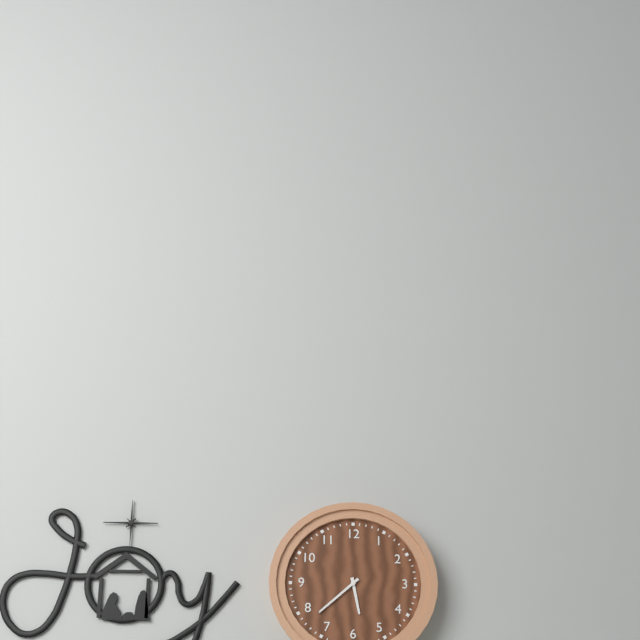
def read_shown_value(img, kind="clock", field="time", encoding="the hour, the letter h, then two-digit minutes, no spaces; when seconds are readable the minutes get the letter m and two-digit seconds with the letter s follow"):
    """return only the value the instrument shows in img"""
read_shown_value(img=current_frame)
5h38
